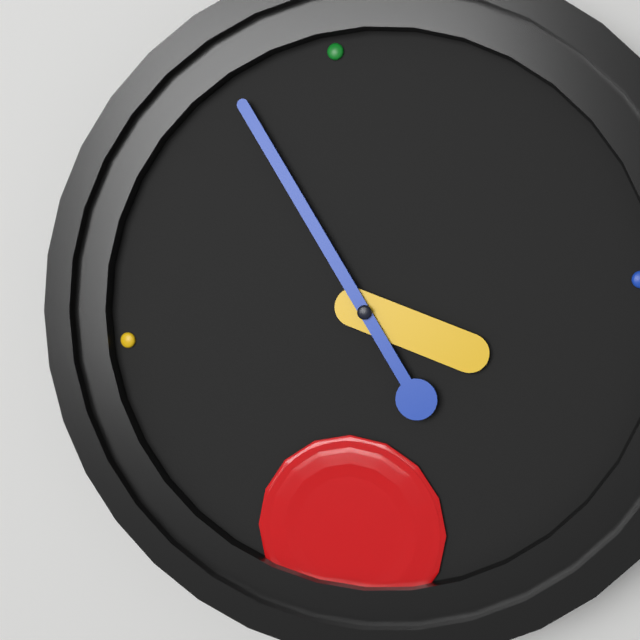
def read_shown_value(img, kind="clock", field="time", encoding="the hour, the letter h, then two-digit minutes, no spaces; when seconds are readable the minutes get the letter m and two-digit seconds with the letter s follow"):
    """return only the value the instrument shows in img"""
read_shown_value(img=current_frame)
3h56
